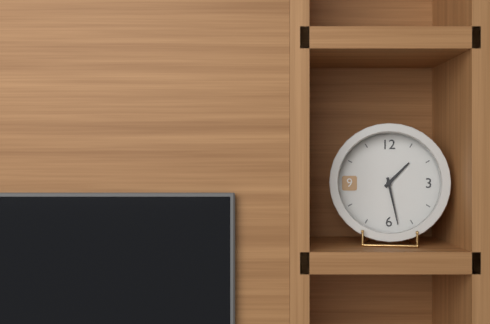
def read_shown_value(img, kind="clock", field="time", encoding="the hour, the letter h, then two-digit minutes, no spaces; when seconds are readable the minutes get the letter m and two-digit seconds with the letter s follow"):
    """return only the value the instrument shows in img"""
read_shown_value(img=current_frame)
1h28
